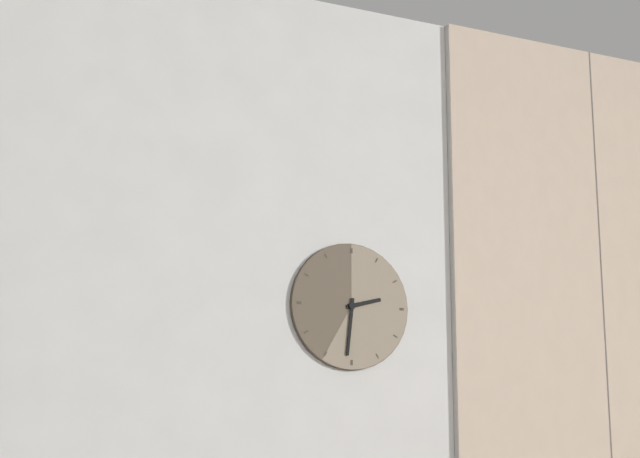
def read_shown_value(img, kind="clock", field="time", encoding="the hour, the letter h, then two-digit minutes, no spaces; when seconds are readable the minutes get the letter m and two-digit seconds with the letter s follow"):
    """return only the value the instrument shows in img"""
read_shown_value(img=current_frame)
2h31
